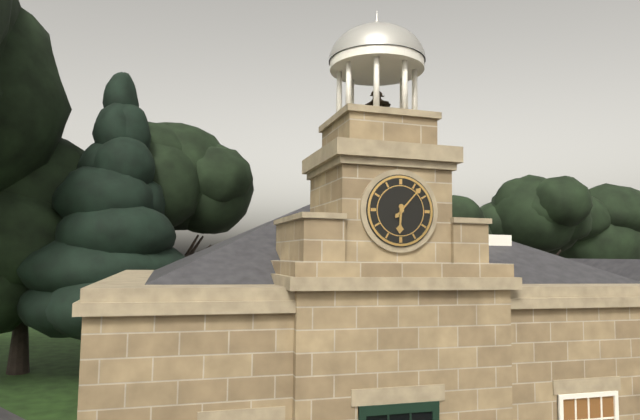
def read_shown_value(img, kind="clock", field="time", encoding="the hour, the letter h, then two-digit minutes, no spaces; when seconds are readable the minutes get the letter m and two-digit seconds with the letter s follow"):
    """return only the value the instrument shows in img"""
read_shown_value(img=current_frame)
6h07
